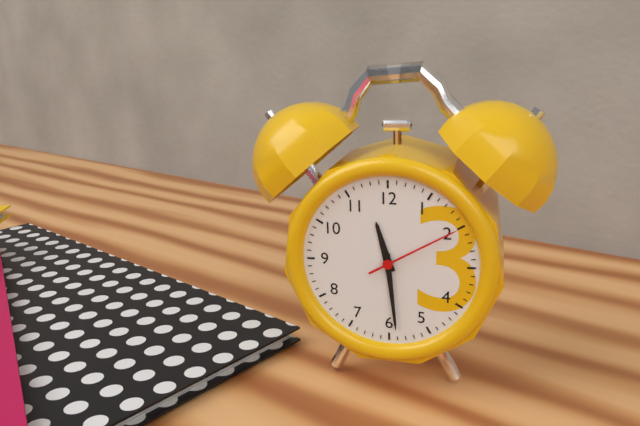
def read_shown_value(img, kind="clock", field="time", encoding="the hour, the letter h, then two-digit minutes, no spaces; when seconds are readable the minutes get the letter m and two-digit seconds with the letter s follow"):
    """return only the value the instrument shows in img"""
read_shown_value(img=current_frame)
11h29m10s
